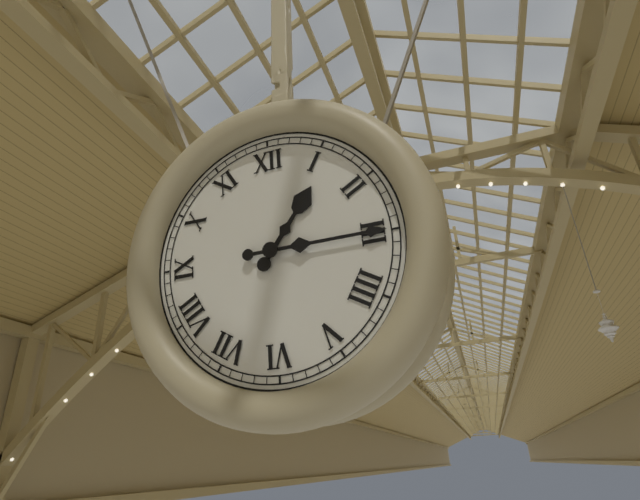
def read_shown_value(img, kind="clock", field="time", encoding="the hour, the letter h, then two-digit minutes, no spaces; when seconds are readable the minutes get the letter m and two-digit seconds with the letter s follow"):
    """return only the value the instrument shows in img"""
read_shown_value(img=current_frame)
1h15
